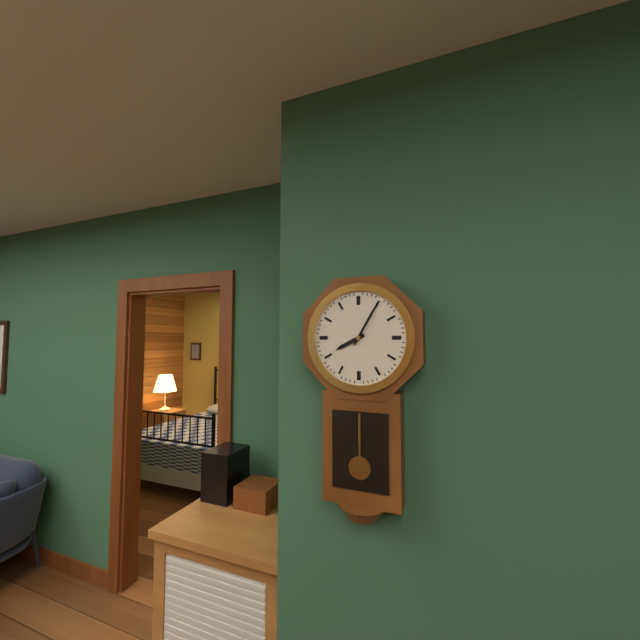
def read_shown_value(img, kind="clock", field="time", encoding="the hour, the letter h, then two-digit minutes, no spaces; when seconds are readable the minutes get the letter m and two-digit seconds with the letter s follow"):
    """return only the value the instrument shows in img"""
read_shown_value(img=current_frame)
8h05
